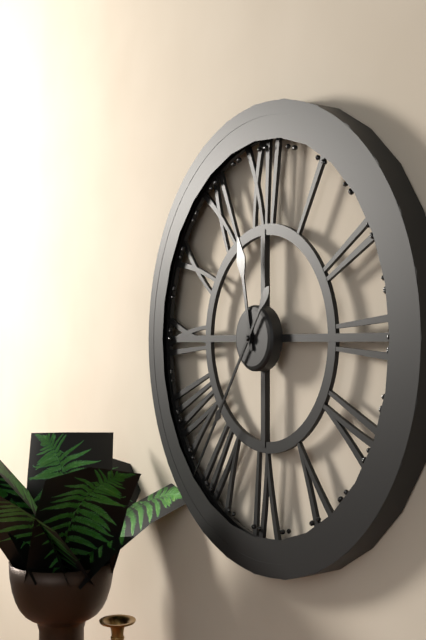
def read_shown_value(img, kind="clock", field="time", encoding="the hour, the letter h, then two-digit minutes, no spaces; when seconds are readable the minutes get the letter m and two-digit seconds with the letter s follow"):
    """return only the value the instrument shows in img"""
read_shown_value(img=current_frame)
11h36
